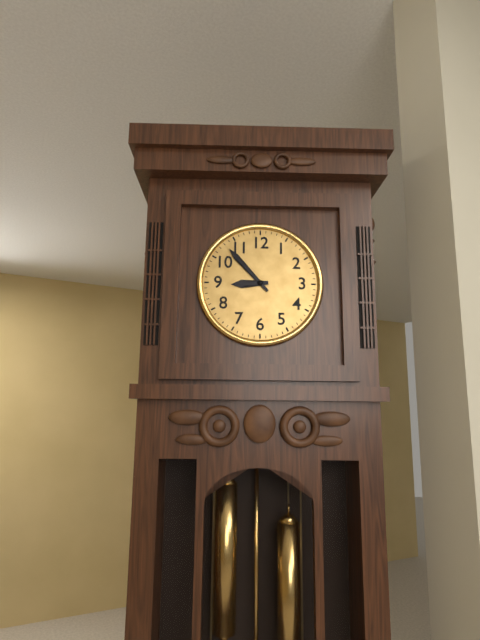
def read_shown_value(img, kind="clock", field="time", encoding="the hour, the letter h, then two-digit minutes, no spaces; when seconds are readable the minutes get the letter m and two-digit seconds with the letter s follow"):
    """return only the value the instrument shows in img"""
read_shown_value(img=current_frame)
8h53
